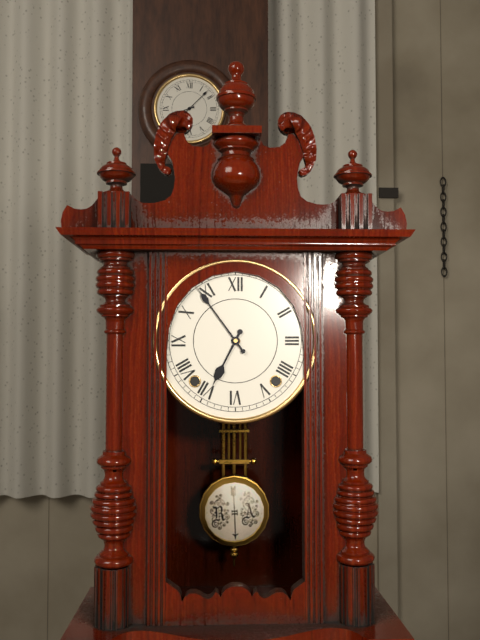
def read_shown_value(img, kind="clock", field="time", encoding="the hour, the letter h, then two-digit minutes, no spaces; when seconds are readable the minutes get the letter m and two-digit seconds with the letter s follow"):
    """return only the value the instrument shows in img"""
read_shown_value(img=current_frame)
6h54
